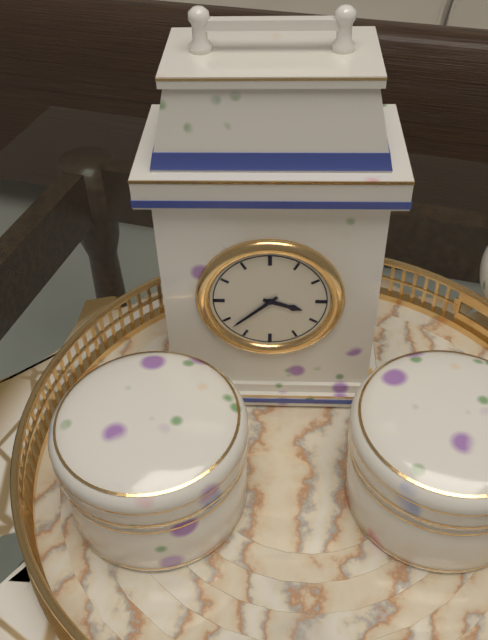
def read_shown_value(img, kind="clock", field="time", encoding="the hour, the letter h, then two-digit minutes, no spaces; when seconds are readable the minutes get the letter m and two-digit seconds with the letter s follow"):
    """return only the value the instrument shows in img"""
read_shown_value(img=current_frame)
3h38
